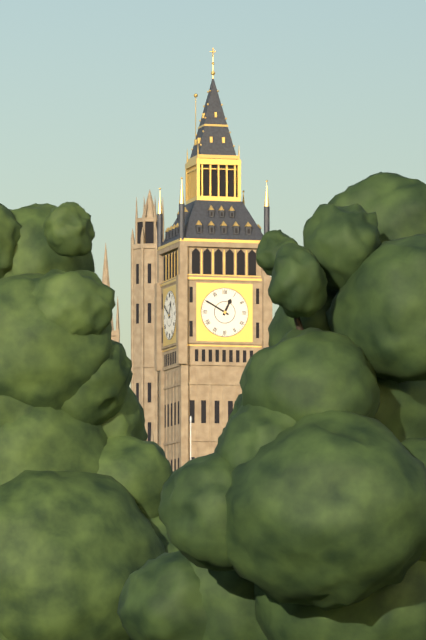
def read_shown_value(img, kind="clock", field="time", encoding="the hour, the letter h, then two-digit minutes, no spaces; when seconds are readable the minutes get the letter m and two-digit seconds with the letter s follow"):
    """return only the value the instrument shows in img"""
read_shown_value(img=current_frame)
12h50
